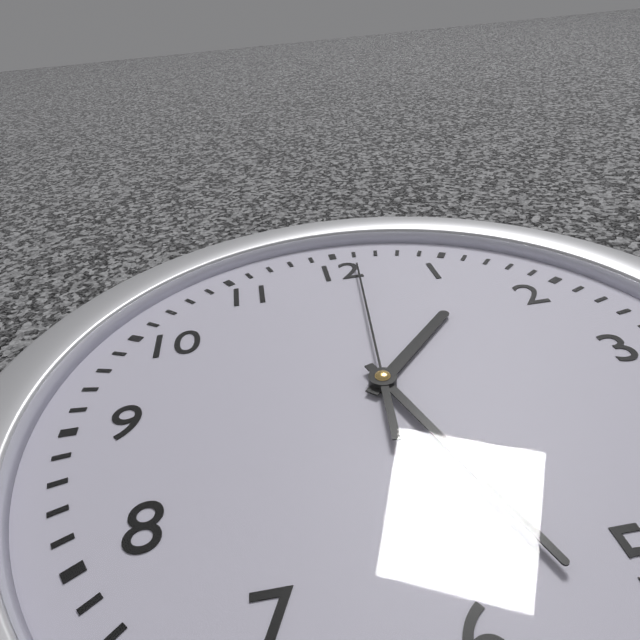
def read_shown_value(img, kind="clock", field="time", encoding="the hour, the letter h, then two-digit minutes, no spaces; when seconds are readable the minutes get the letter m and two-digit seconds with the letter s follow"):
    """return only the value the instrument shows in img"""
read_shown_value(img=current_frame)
1h27m01s
